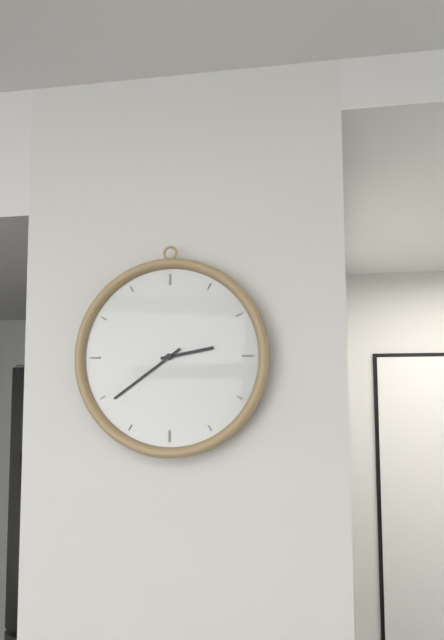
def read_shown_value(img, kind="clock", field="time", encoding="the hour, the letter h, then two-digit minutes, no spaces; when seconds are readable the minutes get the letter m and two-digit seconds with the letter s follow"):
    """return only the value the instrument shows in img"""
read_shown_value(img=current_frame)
2h39
